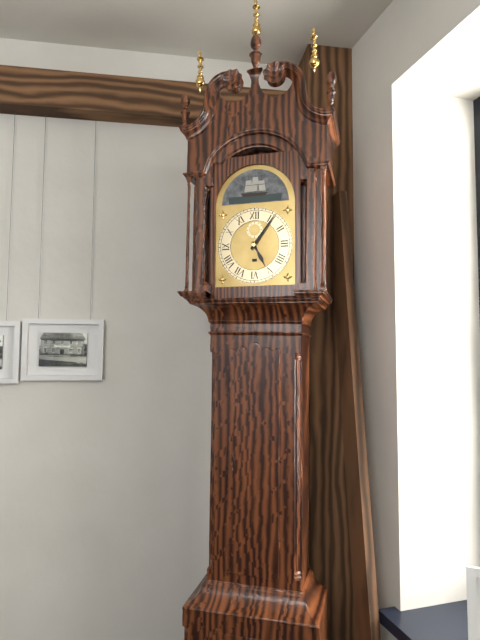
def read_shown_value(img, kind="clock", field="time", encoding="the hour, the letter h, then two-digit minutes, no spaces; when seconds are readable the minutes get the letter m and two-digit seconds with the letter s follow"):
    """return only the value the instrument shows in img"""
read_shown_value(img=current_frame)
5h06
